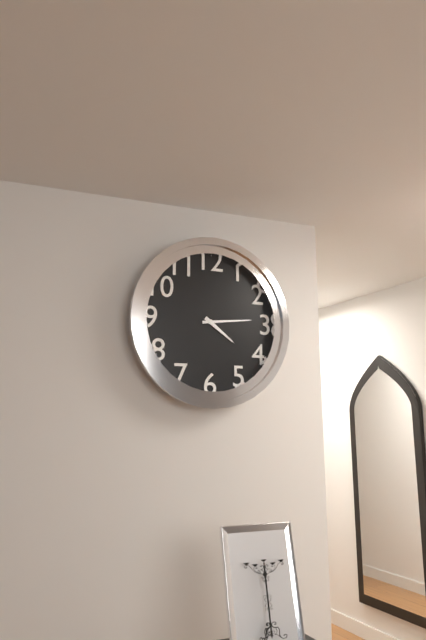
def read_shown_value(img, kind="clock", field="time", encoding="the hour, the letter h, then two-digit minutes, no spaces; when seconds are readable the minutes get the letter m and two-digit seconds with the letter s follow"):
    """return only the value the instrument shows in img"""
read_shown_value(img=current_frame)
4h14
